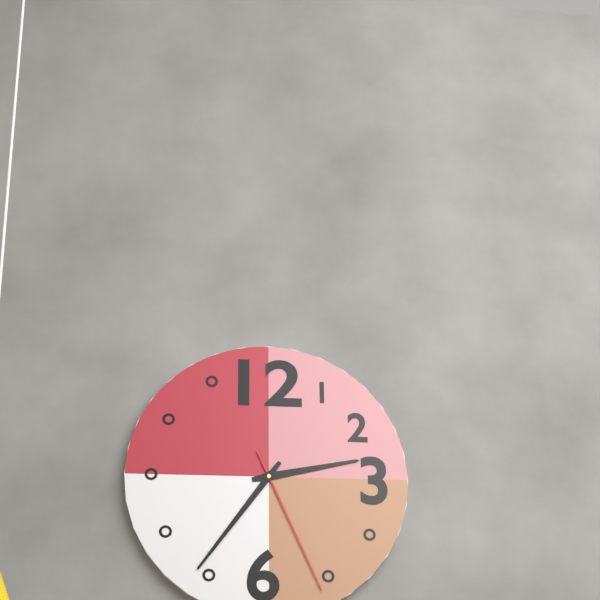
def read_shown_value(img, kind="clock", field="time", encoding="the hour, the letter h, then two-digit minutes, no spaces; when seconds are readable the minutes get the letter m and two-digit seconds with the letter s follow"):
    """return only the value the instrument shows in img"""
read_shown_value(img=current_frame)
2h36m26s
